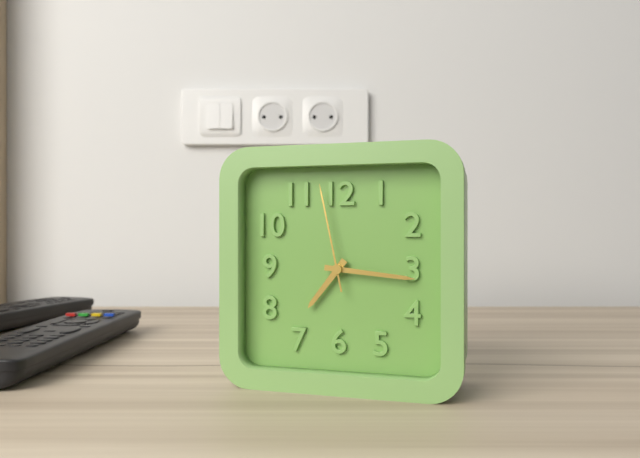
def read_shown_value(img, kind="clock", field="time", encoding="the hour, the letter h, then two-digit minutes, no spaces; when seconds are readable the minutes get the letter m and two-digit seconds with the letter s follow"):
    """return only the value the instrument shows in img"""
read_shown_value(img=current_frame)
7h16m58s
